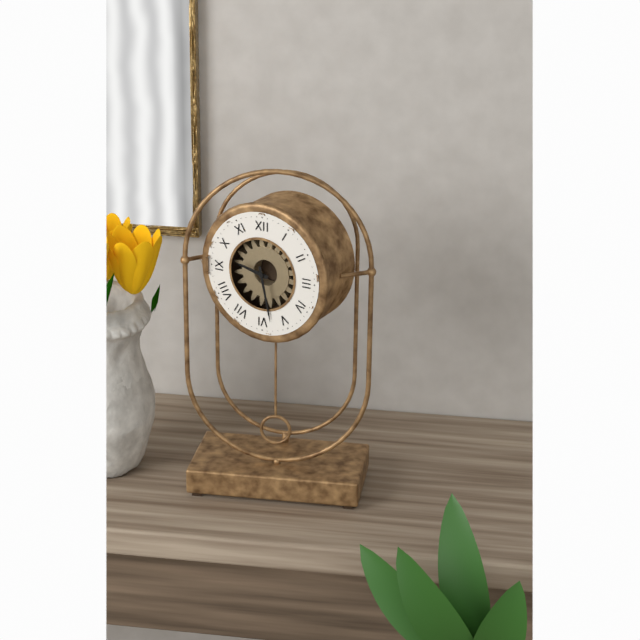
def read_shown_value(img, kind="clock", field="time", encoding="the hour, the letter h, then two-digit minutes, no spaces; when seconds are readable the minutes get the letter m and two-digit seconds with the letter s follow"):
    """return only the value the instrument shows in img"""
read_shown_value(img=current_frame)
9h28
